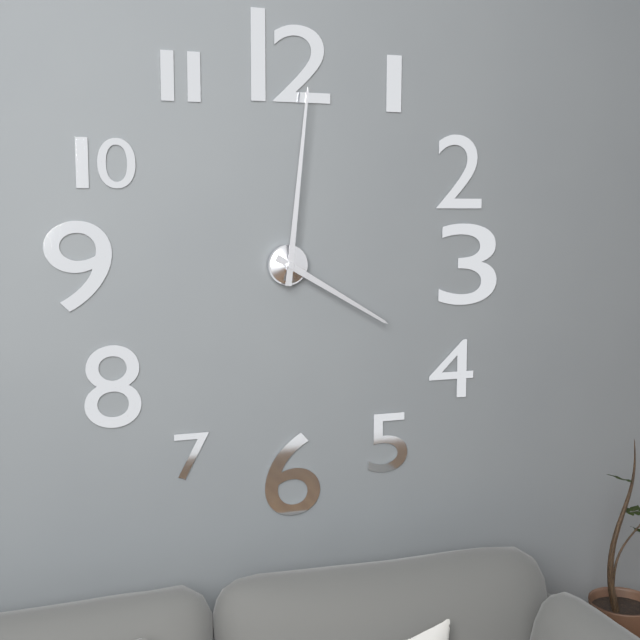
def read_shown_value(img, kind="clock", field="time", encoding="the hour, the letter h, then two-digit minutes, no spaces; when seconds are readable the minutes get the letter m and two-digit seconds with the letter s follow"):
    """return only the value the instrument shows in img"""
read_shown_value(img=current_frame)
4h01
